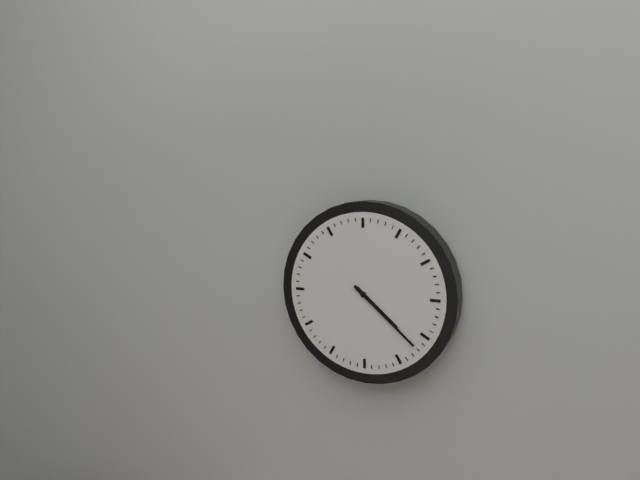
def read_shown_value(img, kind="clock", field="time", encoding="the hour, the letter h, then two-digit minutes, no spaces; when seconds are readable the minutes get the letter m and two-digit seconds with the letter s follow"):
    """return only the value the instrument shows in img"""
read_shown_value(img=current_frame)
4h22
